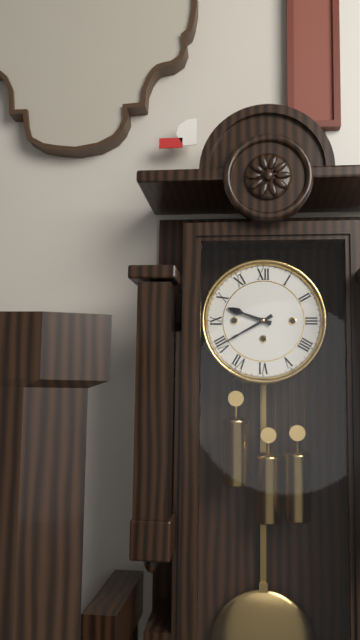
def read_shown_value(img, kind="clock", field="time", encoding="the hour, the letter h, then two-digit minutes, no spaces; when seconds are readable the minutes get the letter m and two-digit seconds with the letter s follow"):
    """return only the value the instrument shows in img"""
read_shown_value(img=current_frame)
9h40
